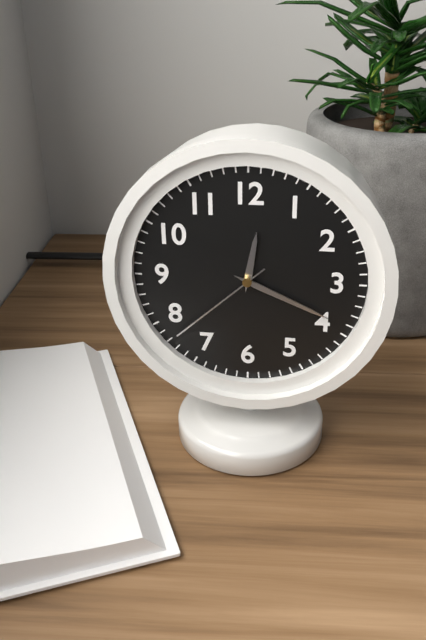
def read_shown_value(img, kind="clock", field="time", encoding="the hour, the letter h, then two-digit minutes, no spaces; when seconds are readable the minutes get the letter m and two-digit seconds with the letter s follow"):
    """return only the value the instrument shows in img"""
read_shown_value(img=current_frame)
12h19m38s
